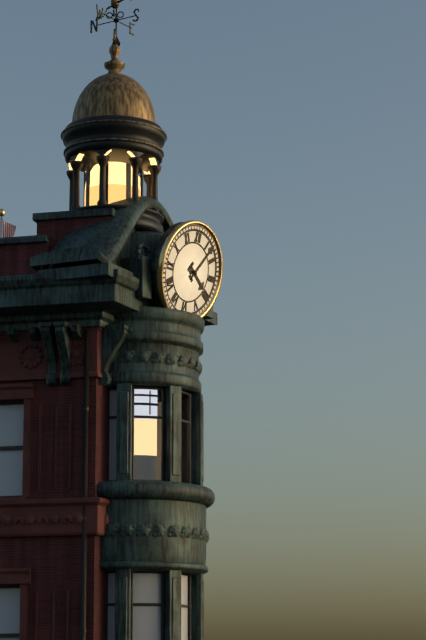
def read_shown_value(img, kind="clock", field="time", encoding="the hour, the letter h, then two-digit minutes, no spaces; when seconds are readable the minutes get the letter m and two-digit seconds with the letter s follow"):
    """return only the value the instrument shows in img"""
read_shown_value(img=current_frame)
4h06
